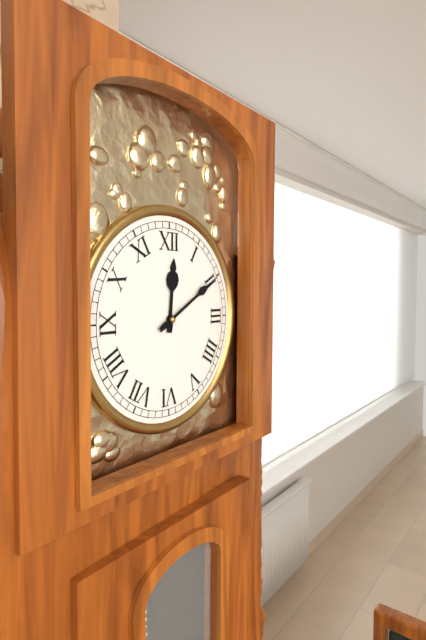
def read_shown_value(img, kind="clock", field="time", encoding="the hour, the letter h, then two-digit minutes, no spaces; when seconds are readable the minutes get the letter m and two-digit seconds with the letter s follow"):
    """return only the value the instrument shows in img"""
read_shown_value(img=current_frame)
12h10
